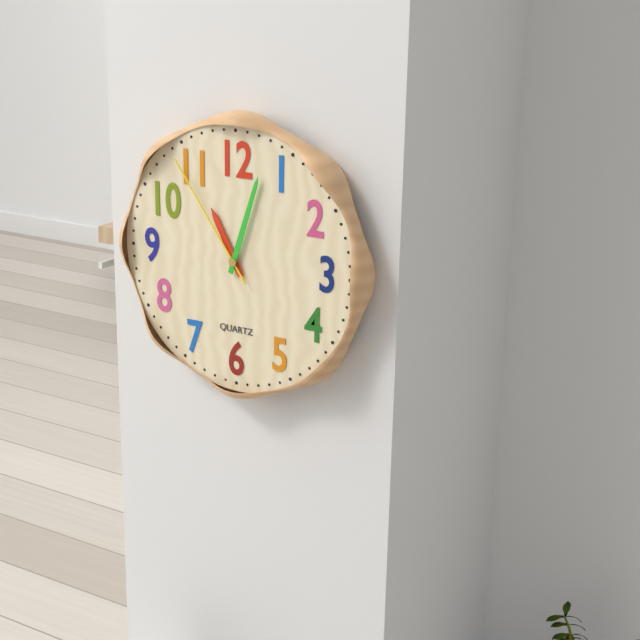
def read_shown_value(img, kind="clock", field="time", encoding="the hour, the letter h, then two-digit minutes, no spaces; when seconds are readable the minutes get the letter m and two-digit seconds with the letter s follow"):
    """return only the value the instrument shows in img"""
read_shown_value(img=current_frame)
11h03m54s
